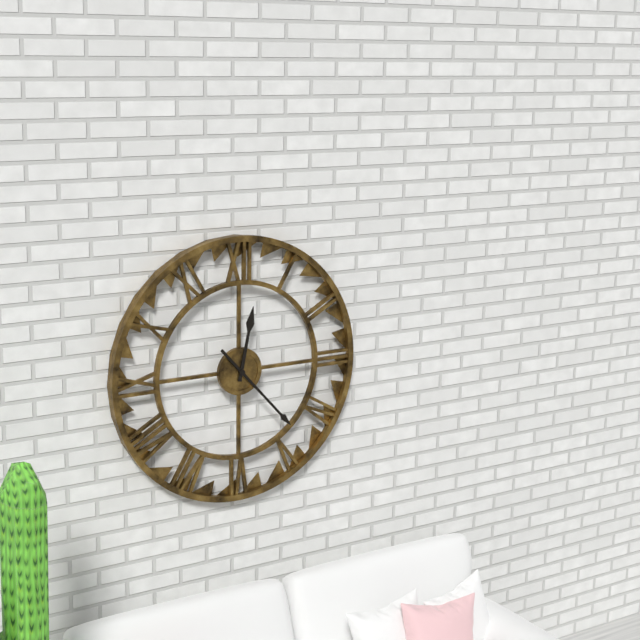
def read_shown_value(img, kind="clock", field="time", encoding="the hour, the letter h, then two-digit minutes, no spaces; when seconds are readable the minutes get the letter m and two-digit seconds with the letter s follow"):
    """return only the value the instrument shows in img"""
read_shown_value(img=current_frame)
12h23
